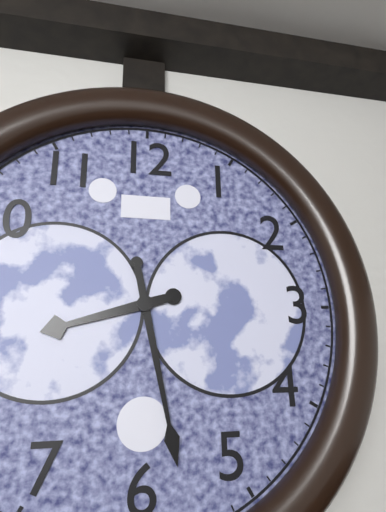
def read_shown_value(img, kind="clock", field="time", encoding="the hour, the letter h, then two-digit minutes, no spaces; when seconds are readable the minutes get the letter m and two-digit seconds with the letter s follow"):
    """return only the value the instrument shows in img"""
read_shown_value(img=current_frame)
8h28
